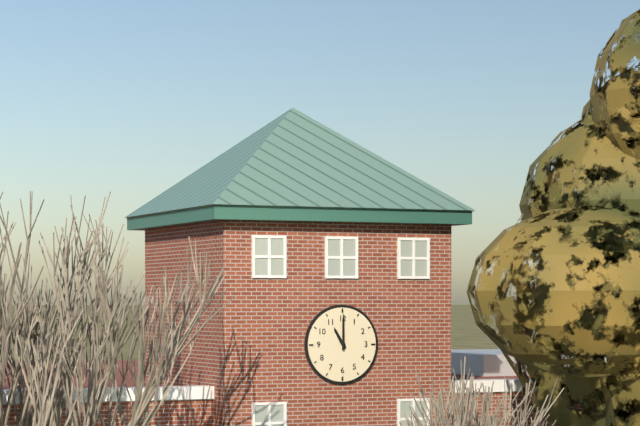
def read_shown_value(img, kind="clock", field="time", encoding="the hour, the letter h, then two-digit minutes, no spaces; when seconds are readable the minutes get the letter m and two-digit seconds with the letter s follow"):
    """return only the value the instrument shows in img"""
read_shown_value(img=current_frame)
11h00
